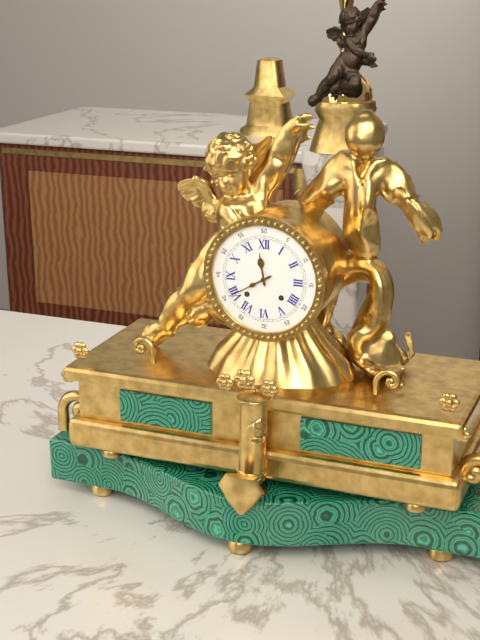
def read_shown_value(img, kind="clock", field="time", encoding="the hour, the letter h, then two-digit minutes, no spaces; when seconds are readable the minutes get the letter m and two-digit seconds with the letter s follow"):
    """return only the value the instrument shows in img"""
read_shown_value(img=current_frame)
11h40
